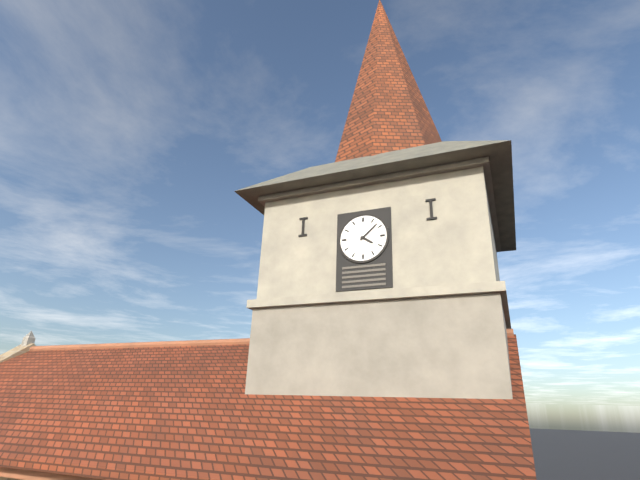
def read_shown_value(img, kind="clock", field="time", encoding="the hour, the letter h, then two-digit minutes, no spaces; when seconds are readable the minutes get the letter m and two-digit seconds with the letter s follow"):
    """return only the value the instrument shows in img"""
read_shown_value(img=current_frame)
4h08
